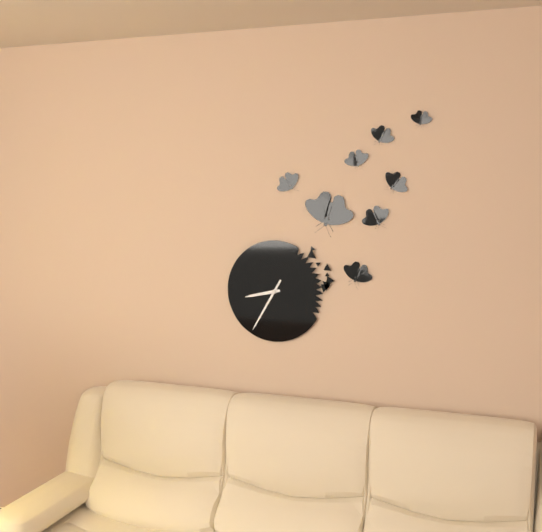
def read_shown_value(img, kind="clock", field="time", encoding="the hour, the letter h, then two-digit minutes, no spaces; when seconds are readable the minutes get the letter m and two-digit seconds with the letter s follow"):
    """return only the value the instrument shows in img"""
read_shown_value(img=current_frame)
8h35
